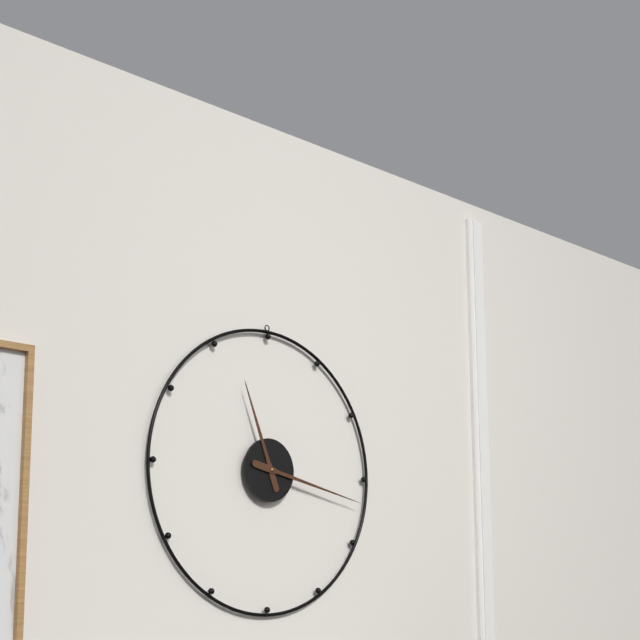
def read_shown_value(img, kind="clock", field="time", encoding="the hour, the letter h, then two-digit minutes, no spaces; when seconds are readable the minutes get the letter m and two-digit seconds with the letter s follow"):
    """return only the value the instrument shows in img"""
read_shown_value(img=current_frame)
11h17
